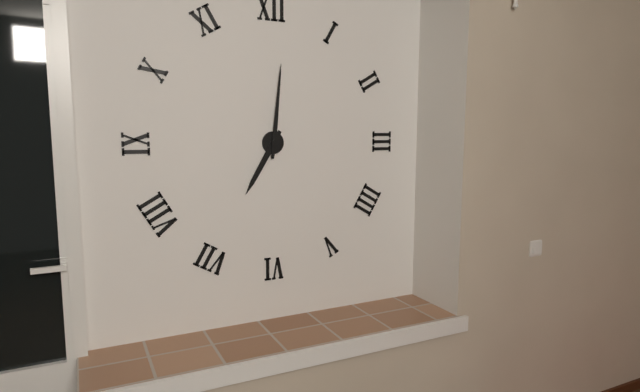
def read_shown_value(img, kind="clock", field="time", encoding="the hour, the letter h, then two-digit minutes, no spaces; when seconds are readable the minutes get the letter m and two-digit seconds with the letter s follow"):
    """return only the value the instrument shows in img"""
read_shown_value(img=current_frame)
7h01
